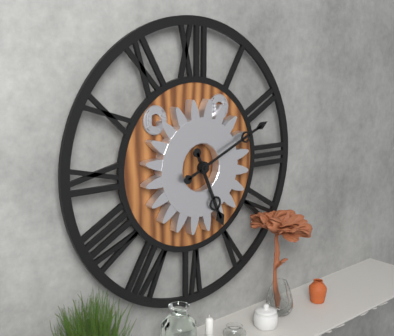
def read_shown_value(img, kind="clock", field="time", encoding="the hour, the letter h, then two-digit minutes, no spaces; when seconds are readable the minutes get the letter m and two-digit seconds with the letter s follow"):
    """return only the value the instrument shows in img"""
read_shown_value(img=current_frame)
5h11
